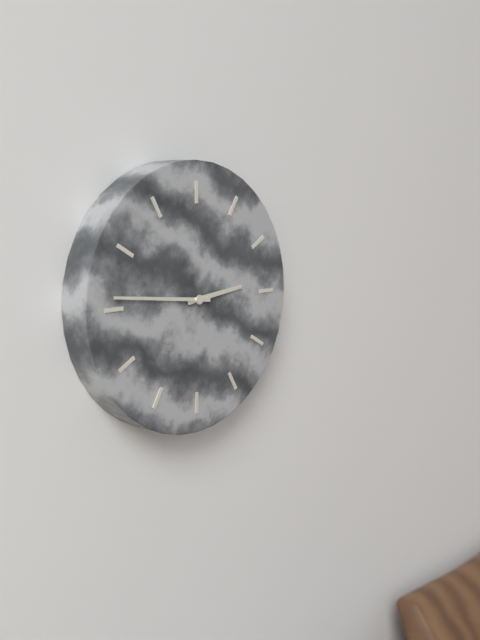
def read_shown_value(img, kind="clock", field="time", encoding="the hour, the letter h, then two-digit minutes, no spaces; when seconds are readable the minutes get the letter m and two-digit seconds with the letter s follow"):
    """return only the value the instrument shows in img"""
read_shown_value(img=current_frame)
2h46
